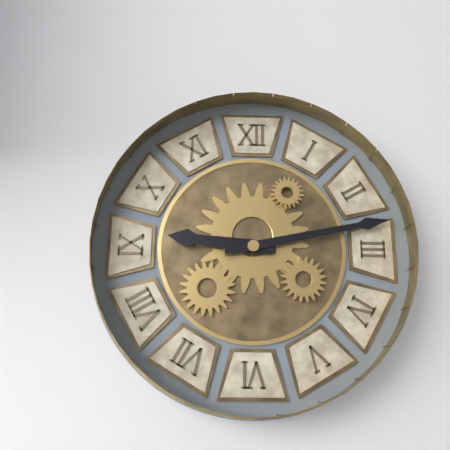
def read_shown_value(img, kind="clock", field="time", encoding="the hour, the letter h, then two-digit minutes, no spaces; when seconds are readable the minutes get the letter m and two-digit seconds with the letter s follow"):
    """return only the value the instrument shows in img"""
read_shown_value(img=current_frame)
9h13
